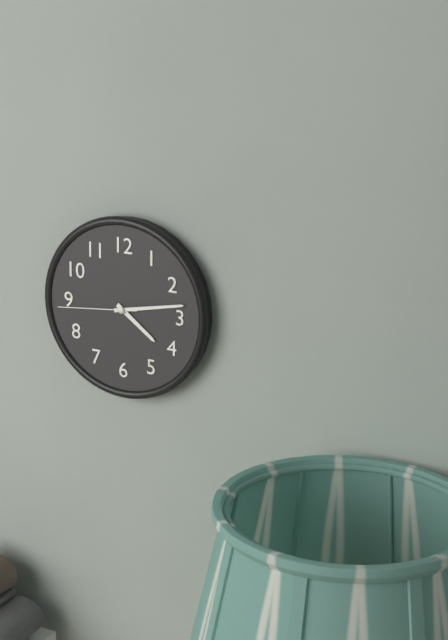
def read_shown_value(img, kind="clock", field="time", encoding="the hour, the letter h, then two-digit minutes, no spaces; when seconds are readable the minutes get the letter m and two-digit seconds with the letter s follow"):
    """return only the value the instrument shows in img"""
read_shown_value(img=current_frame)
4h13m44s
